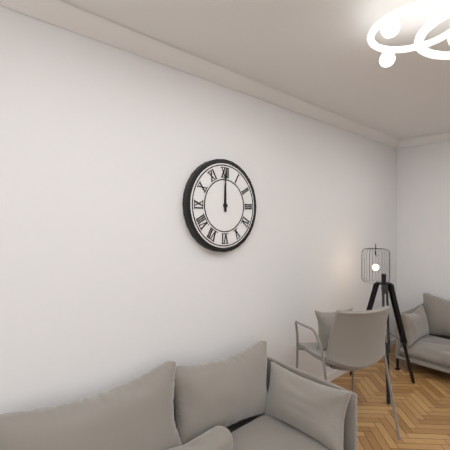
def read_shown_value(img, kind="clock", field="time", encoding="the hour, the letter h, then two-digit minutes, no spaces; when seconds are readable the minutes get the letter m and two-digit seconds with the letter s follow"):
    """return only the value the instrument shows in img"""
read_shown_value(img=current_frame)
12h00
